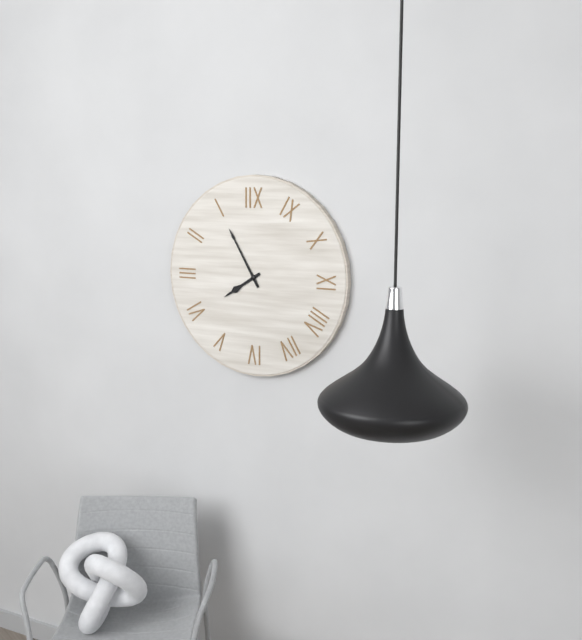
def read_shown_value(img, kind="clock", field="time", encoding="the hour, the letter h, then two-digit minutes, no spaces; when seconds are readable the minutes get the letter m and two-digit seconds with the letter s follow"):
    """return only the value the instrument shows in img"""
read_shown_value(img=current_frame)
7h55
